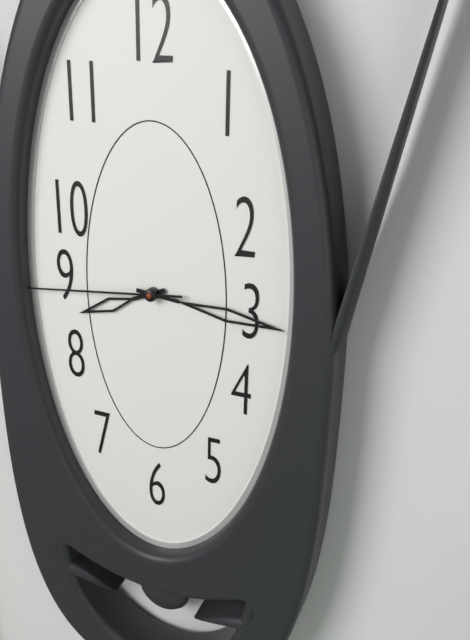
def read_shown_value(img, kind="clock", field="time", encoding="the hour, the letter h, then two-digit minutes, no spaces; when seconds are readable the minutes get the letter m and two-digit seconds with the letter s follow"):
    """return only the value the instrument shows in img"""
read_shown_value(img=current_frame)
8h16m44s
